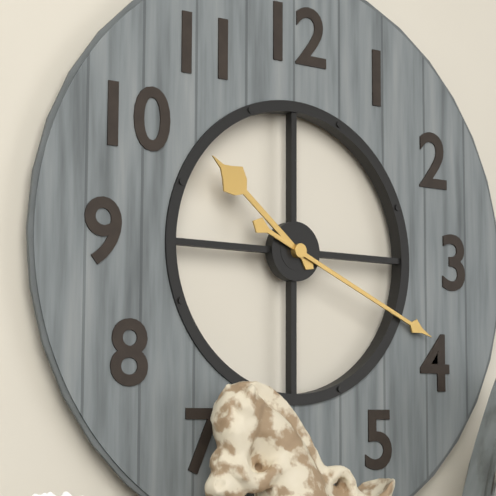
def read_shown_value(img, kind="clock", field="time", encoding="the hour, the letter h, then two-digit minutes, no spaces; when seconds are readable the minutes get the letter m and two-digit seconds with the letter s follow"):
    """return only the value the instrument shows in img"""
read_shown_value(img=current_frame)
10h19
